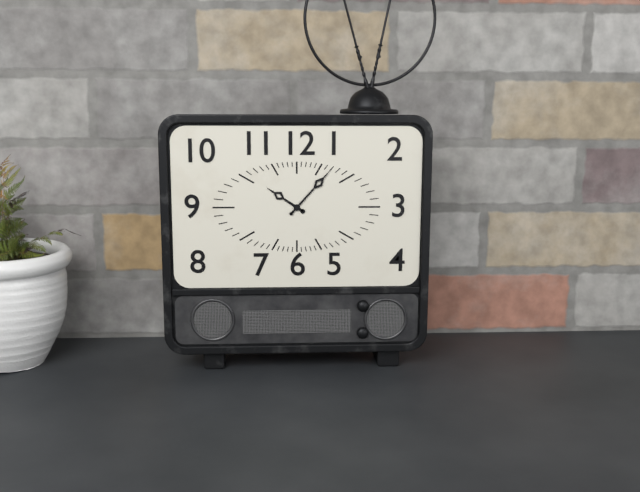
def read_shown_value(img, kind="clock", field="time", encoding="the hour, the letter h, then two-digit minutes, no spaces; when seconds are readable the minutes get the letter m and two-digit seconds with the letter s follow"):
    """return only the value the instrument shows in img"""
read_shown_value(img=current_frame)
10h07
